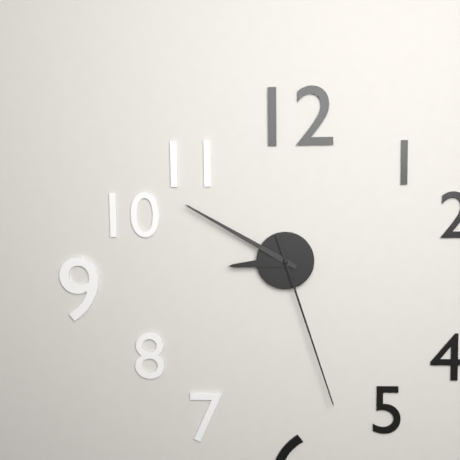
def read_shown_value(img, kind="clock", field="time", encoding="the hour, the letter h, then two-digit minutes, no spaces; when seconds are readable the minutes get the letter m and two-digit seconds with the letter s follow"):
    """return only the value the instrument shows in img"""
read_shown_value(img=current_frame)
8h50m27s
